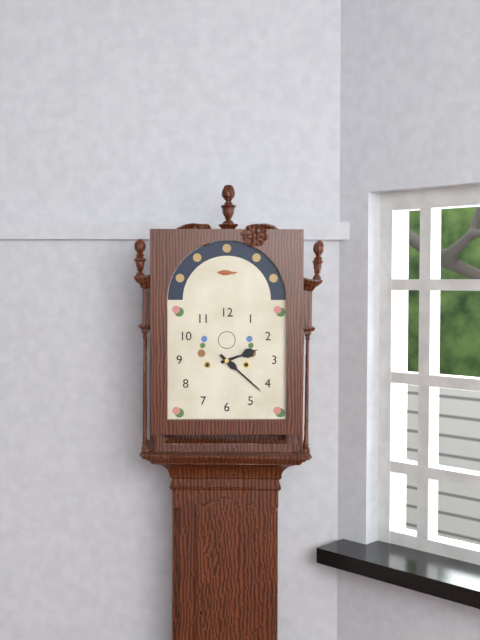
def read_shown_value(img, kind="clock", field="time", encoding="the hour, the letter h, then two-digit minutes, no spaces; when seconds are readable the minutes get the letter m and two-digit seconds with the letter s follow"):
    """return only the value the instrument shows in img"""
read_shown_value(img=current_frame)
2h22
